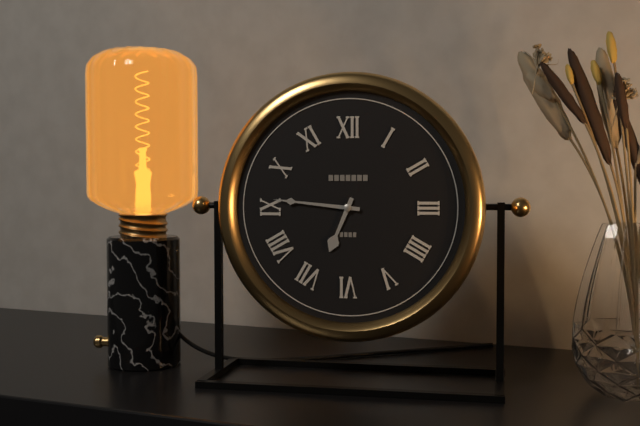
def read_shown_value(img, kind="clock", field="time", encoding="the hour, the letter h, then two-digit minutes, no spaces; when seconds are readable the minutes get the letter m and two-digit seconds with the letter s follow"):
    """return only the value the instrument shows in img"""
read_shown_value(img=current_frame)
6h46
